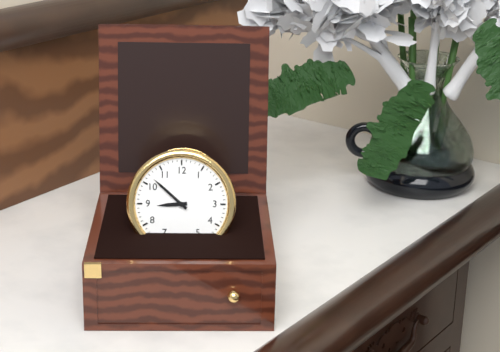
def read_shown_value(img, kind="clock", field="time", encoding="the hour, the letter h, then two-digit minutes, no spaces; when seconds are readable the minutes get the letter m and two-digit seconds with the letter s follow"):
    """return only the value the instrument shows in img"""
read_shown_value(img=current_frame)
8h52
